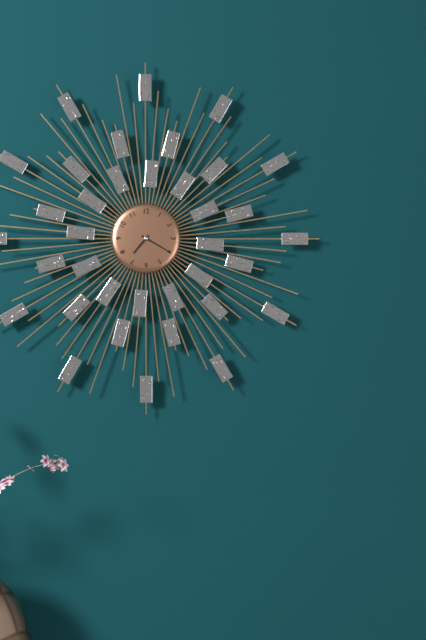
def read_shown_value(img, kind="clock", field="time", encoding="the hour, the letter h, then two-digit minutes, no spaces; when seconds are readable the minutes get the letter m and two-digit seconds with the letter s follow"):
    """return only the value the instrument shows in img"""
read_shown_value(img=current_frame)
7h20
